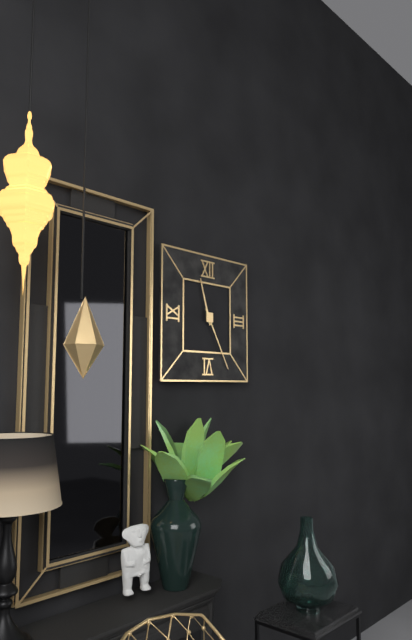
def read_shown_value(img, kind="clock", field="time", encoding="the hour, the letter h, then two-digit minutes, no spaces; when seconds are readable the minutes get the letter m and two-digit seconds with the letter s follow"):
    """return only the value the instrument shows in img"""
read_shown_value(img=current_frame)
11h25
